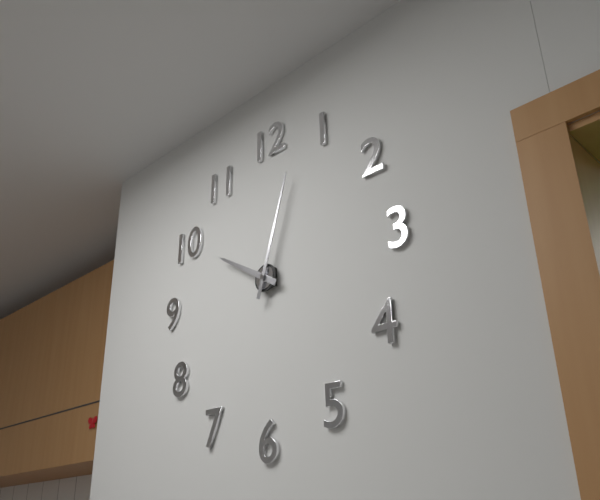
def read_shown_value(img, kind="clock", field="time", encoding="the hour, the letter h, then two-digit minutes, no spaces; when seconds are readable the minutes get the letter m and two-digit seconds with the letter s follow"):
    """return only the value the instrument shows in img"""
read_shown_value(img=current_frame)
10h03
